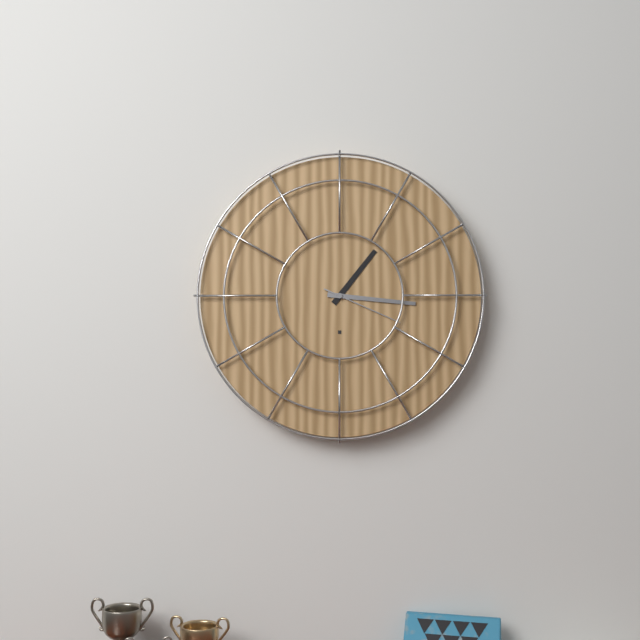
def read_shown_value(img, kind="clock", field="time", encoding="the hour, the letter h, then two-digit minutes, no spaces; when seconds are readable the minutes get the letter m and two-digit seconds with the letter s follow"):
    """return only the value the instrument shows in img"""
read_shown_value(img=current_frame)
1h16m19s
